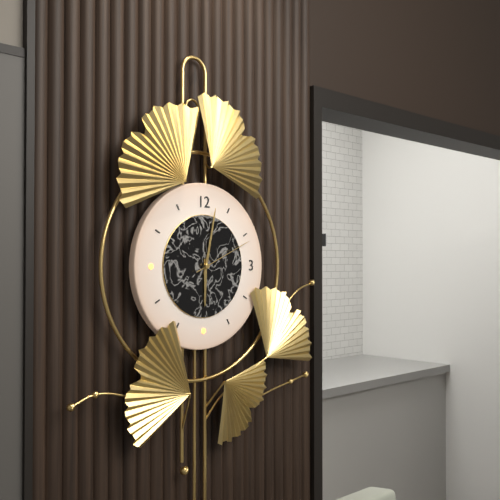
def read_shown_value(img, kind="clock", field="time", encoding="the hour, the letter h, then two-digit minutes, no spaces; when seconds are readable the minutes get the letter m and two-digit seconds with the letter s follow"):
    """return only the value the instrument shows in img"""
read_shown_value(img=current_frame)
6h02m11s
